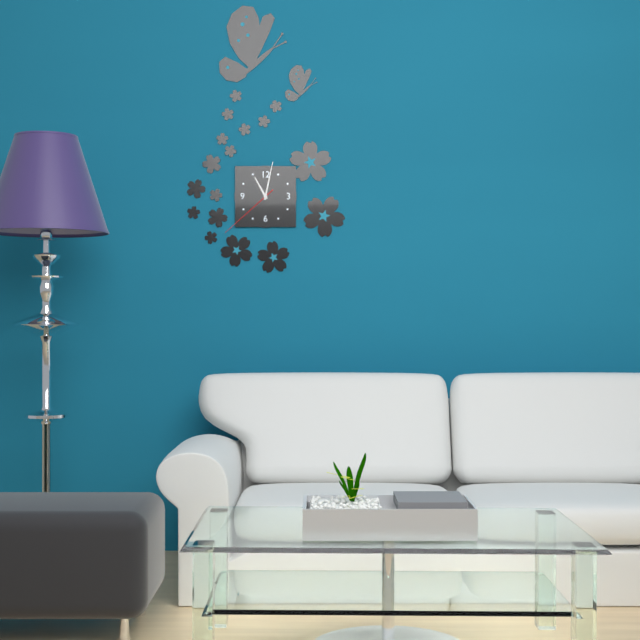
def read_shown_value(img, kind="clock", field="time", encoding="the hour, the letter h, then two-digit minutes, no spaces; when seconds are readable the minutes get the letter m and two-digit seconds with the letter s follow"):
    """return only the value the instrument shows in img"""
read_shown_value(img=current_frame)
11h02m38s
